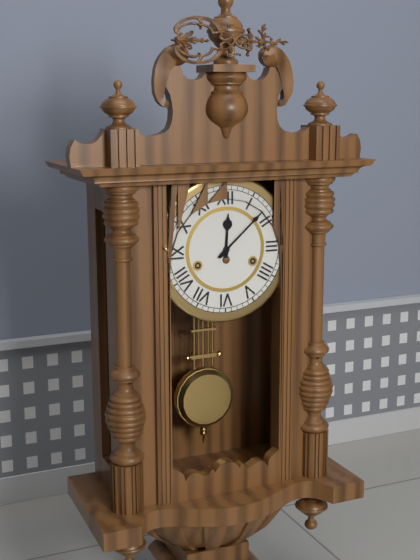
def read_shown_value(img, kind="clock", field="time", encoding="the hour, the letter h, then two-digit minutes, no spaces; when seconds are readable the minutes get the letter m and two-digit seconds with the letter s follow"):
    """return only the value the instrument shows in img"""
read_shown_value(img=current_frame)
12h08
